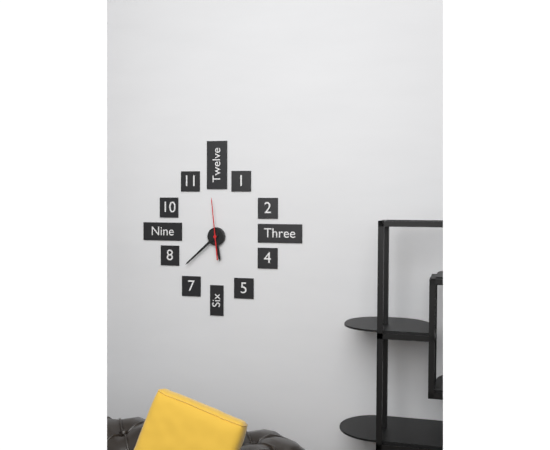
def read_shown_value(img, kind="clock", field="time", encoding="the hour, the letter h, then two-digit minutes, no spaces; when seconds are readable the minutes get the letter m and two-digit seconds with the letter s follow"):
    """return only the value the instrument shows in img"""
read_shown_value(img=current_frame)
5h38
